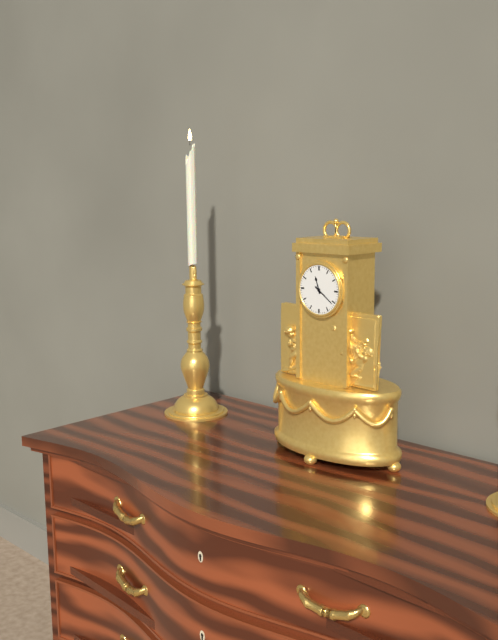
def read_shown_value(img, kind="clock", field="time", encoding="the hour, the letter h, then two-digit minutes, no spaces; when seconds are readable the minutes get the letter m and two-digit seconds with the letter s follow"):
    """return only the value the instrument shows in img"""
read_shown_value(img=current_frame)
11h21
